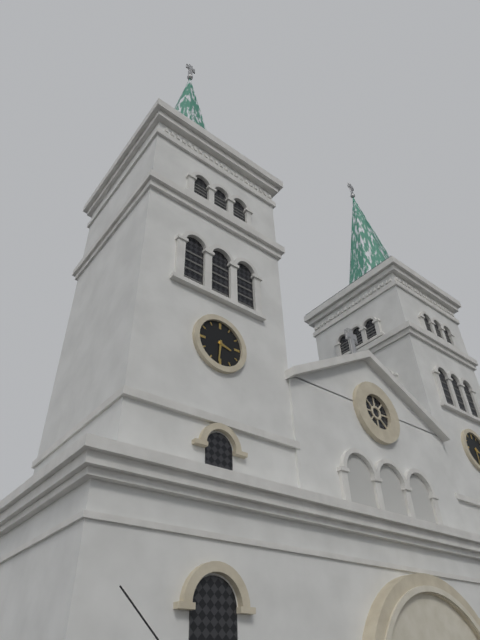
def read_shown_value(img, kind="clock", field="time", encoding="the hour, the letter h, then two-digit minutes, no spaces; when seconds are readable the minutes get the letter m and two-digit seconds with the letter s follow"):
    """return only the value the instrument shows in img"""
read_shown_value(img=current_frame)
3h31
